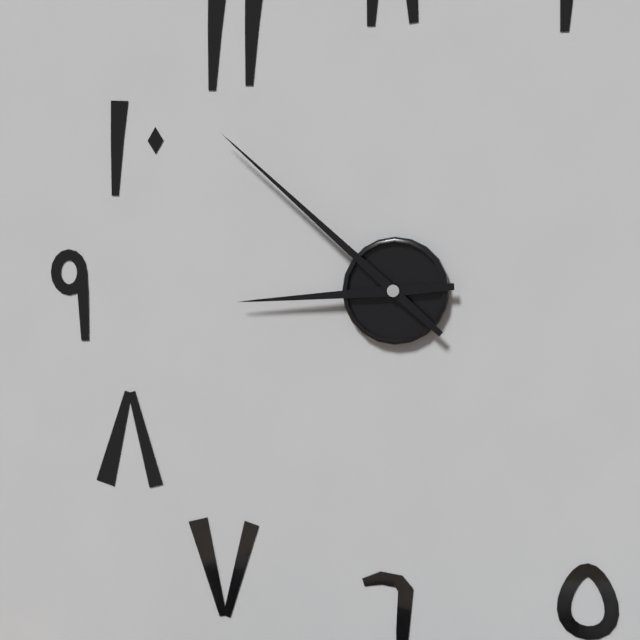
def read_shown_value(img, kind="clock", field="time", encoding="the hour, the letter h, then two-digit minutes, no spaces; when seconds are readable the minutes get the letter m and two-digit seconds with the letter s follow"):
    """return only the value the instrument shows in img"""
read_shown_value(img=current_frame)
8h52
